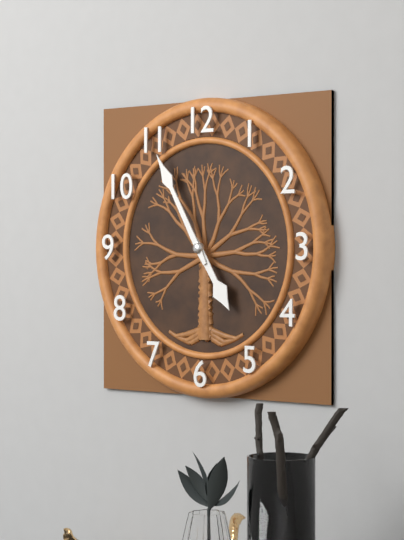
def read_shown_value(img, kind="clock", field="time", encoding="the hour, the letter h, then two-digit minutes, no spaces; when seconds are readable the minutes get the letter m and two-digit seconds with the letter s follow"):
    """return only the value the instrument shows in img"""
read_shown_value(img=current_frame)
4h55
